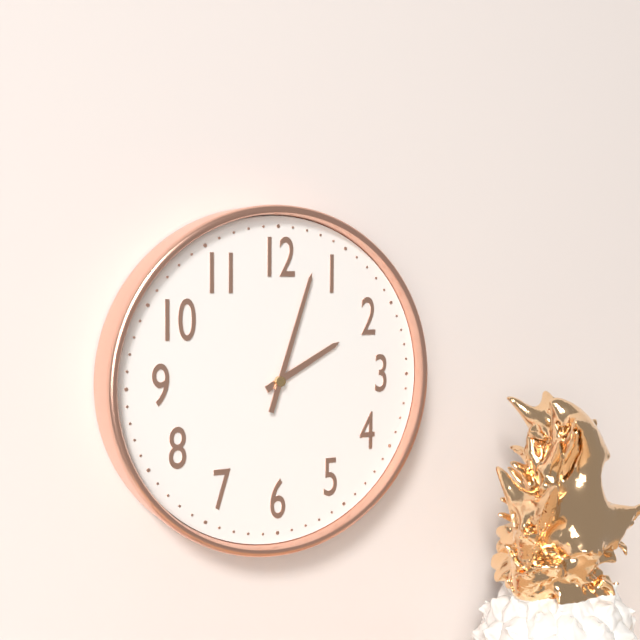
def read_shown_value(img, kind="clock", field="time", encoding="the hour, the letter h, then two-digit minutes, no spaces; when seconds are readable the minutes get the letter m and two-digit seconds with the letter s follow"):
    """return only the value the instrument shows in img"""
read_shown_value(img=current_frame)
2h03
